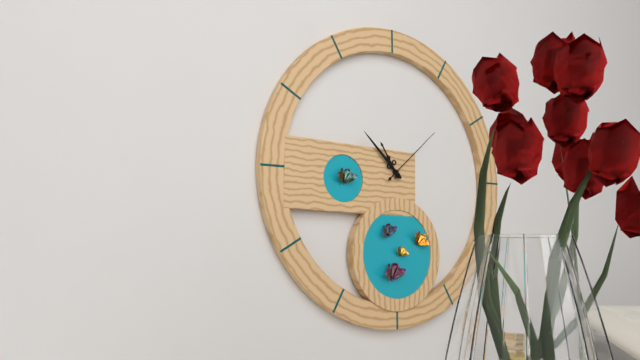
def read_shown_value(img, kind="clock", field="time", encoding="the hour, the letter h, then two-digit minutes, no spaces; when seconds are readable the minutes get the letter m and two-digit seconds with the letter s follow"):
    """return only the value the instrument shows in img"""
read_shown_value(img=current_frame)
10h52m08s
